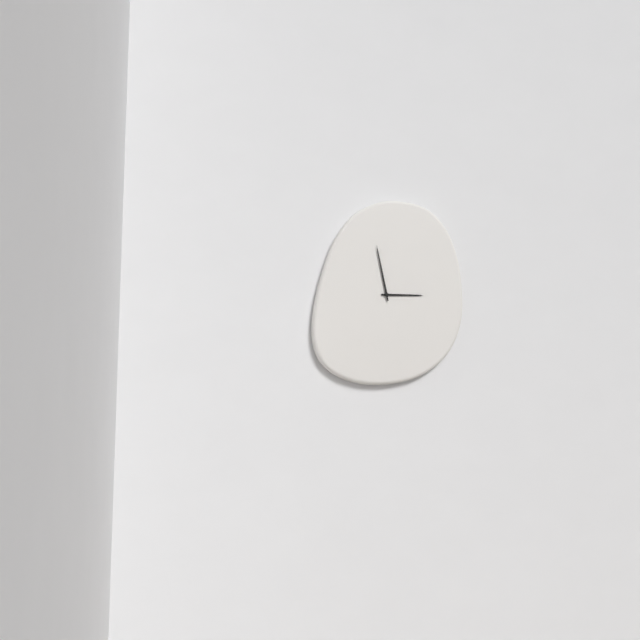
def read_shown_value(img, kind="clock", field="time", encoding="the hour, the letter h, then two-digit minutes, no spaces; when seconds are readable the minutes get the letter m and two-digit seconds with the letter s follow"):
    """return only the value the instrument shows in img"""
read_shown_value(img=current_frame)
2h58
